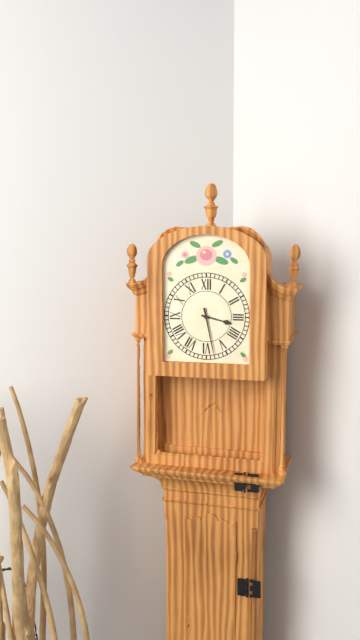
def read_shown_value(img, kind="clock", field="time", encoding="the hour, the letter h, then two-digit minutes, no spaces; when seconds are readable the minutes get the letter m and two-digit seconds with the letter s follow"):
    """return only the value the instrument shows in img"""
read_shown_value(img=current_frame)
3h28
